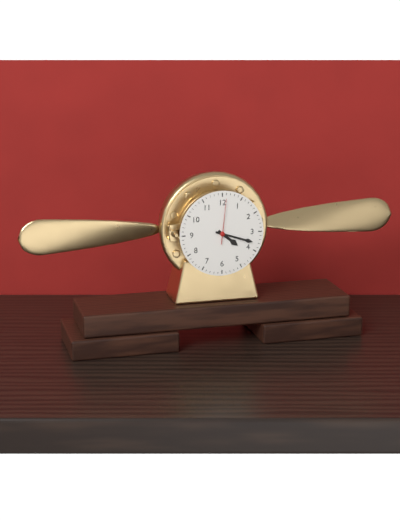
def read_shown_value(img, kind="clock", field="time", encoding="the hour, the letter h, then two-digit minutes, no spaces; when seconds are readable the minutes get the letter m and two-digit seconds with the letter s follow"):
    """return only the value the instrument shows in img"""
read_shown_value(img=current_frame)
4h18
